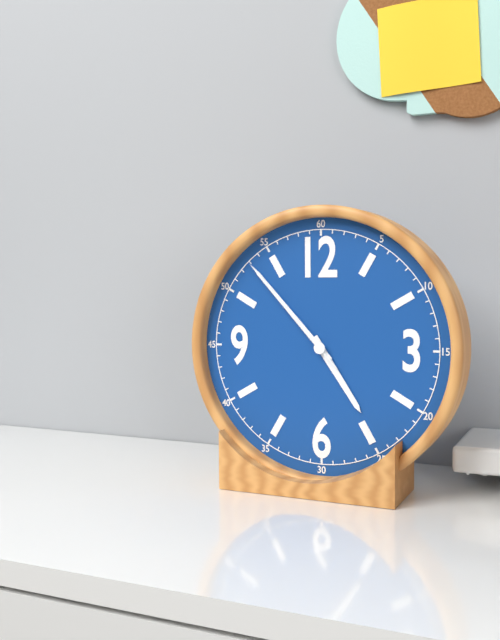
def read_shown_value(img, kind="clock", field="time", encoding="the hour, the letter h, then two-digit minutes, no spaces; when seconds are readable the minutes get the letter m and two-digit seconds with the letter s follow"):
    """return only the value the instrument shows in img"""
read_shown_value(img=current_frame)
4h53m53s
